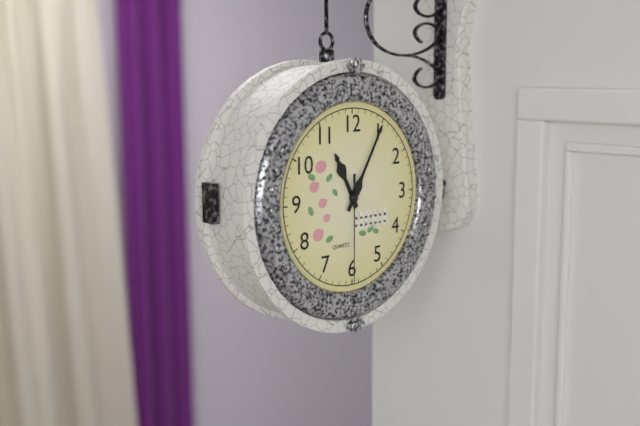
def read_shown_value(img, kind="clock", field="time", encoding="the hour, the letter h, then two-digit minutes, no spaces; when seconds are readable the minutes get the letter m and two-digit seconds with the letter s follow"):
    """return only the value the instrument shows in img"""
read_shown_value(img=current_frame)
11h05m30s
